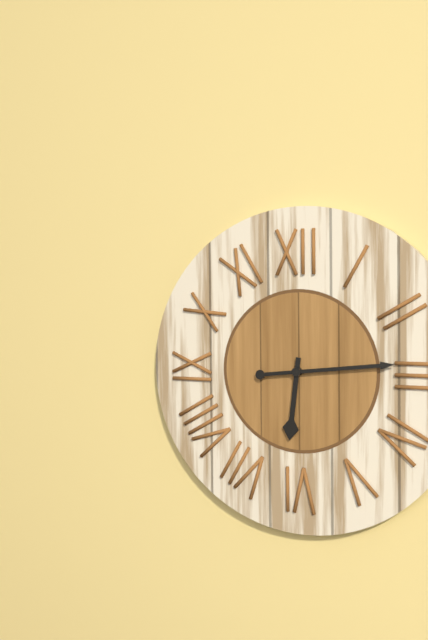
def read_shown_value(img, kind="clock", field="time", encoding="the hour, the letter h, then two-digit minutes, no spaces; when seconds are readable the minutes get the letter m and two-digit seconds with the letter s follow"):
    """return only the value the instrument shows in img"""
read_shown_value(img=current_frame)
6h14
